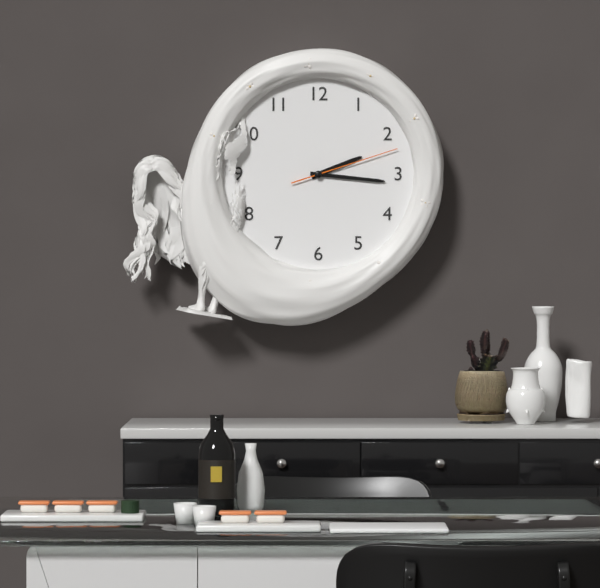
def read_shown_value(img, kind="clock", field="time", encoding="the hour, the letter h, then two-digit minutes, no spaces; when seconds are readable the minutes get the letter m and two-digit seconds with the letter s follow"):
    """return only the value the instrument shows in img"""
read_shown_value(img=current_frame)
2h16m12s
